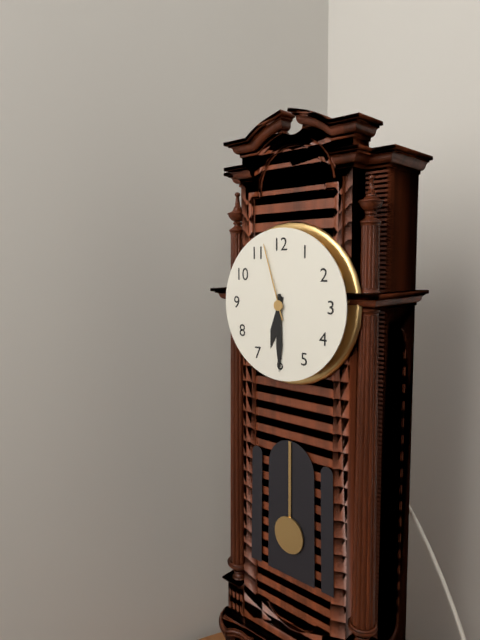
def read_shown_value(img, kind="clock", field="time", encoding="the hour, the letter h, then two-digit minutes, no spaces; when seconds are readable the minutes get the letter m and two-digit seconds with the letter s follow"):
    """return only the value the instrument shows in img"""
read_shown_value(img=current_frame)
6h30m57s
